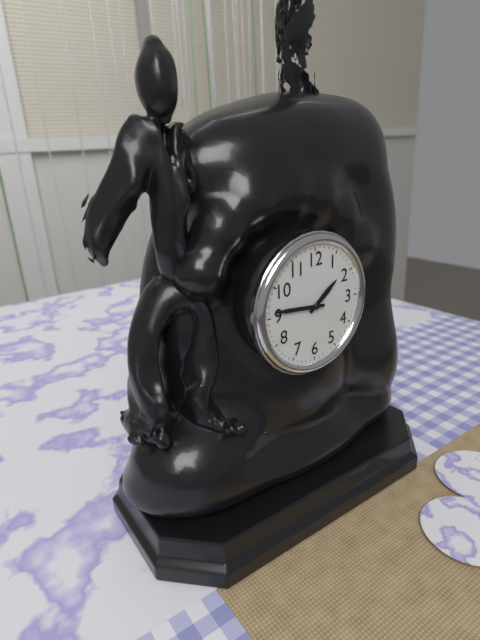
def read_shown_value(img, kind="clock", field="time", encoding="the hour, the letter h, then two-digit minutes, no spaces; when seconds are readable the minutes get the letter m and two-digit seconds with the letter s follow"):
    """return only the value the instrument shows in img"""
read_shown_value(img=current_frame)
1h46
